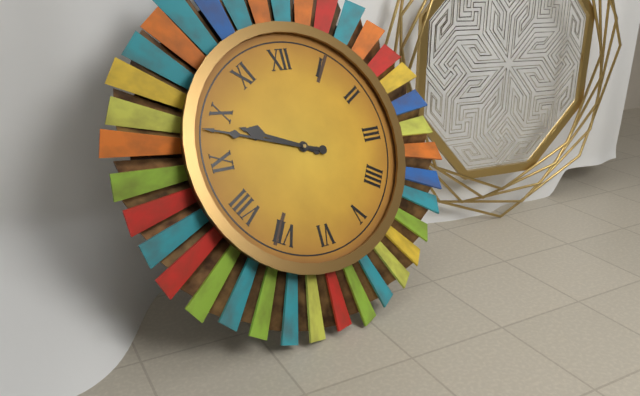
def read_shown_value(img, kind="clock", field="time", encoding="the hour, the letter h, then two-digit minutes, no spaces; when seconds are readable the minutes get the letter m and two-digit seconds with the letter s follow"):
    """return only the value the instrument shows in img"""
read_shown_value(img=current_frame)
9h48
